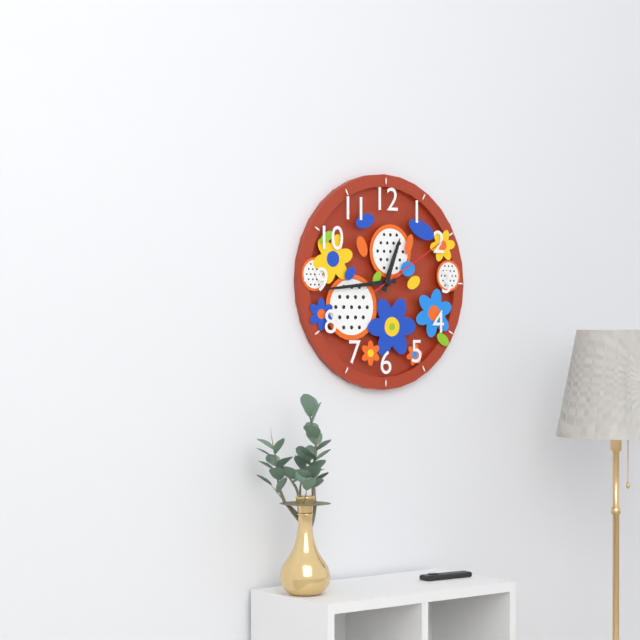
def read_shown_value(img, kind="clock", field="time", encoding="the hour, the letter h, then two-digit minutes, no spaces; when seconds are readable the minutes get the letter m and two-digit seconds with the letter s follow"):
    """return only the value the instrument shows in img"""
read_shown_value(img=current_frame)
12h44m10s
